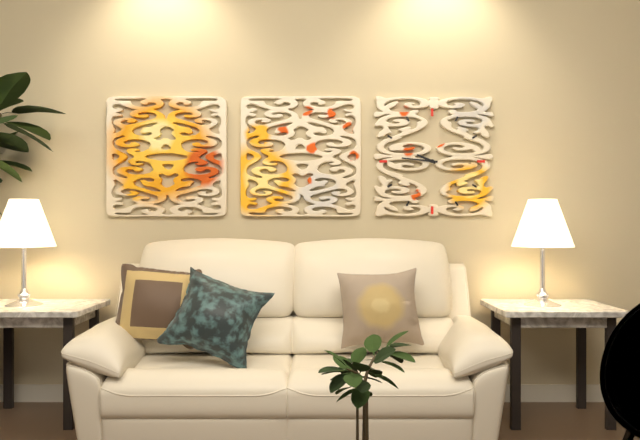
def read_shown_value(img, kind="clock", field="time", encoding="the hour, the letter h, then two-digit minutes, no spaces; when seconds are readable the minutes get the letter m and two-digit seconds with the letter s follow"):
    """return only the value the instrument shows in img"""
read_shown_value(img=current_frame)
9h46
